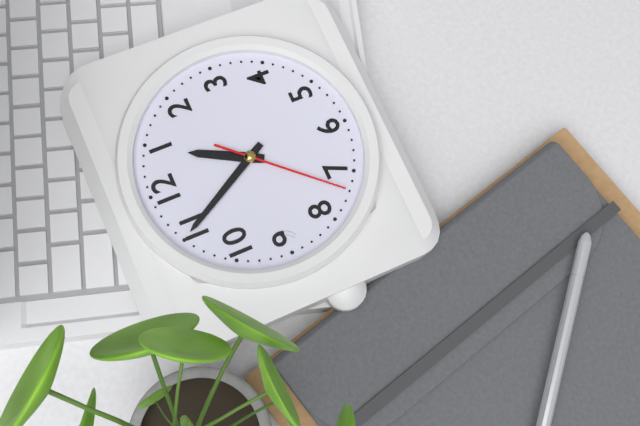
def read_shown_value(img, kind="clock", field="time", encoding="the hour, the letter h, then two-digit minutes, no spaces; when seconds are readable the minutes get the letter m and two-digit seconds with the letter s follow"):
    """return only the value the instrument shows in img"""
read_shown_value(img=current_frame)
12h55m37s
